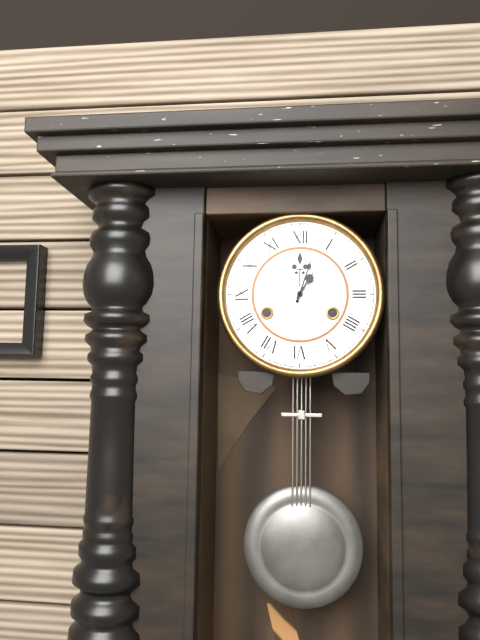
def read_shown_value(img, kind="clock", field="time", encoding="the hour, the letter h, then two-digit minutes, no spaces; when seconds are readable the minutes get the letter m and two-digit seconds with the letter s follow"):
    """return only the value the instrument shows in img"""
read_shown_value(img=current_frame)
1h03
